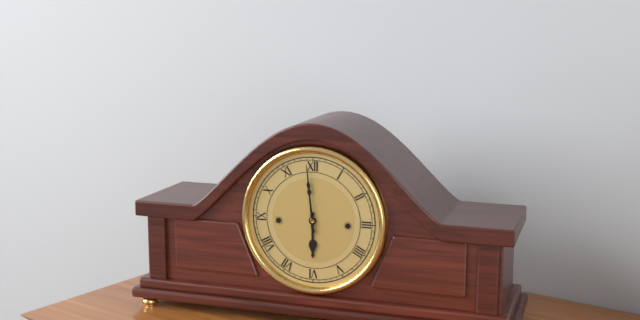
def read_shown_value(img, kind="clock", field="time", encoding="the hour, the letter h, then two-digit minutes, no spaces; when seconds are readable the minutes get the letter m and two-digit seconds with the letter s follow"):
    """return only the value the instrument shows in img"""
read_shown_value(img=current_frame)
5h59
